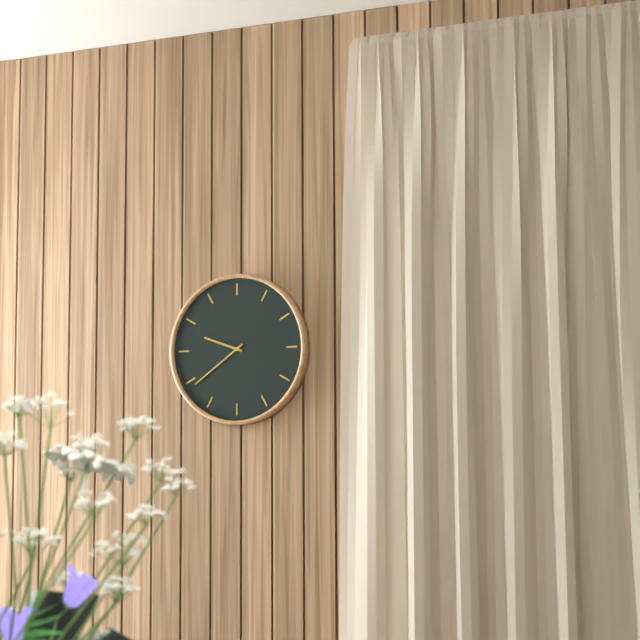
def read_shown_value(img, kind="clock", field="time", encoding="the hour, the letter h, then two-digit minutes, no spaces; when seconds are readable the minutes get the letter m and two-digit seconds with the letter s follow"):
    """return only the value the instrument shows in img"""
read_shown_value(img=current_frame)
9h39
